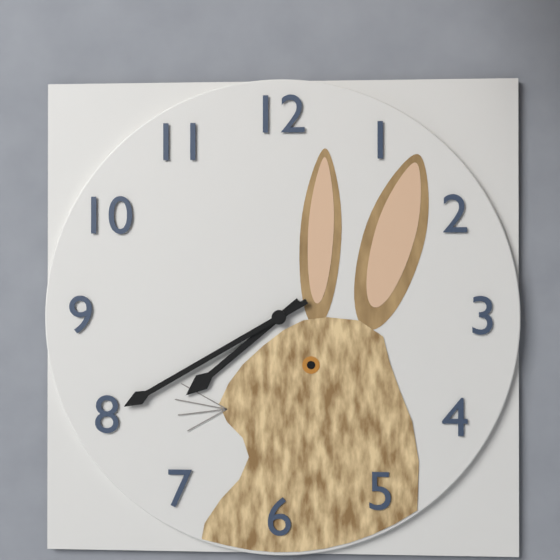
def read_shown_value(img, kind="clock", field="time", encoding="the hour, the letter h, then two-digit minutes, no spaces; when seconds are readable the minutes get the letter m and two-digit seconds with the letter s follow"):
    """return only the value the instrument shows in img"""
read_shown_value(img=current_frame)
7h40
